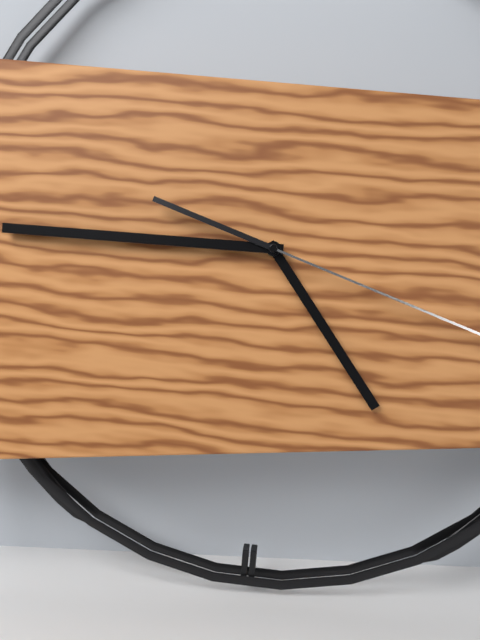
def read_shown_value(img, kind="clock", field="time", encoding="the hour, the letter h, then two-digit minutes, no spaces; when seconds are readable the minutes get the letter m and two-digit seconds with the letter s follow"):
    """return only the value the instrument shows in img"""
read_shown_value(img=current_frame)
4h45
